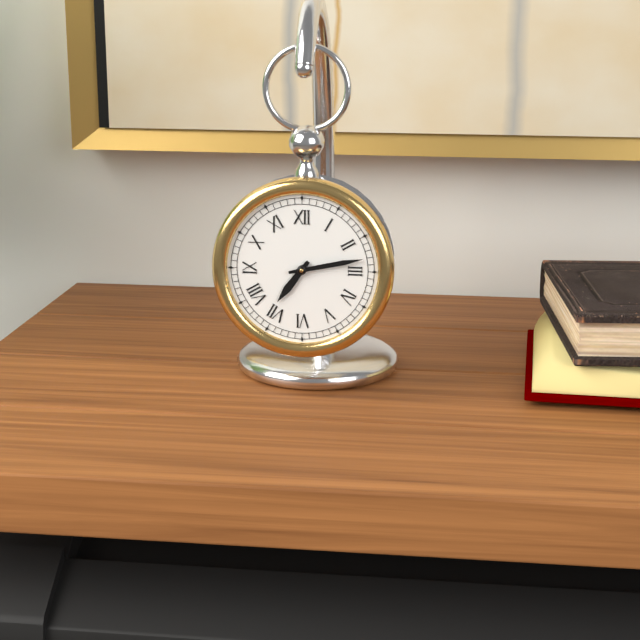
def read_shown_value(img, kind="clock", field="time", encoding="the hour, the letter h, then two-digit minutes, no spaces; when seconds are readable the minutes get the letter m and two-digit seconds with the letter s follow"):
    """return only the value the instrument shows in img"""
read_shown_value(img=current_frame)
7h13
